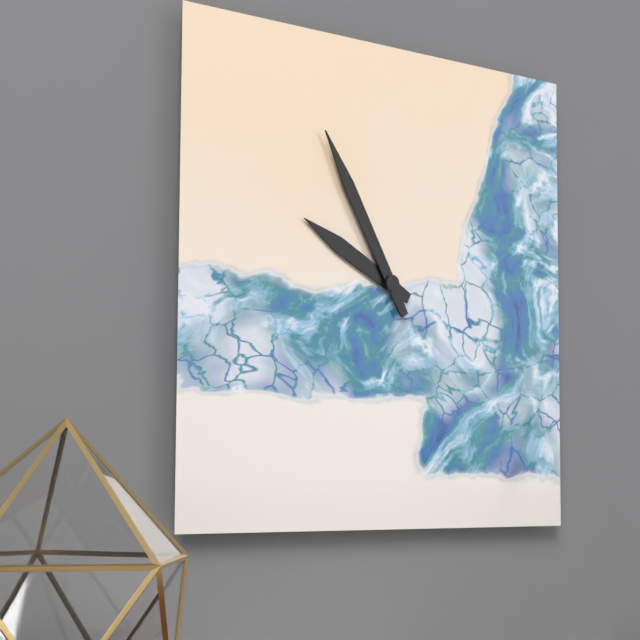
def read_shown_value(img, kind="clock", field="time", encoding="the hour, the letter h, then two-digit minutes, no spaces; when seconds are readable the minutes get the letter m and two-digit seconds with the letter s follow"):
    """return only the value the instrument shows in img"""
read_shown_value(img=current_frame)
9h55
